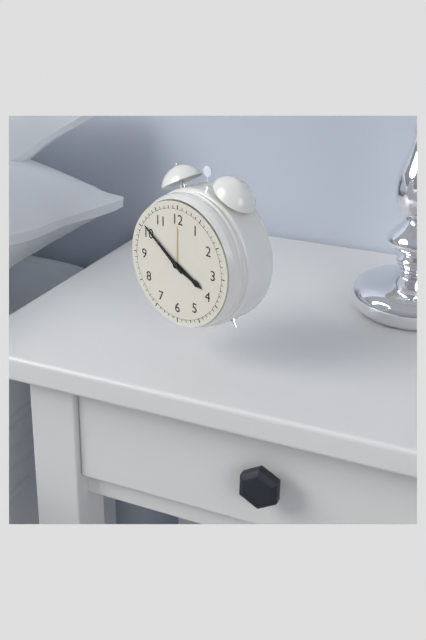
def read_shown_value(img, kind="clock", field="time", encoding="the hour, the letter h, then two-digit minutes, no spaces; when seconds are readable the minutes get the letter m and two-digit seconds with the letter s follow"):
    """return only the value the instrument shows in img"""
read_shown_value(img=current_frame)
3h51
